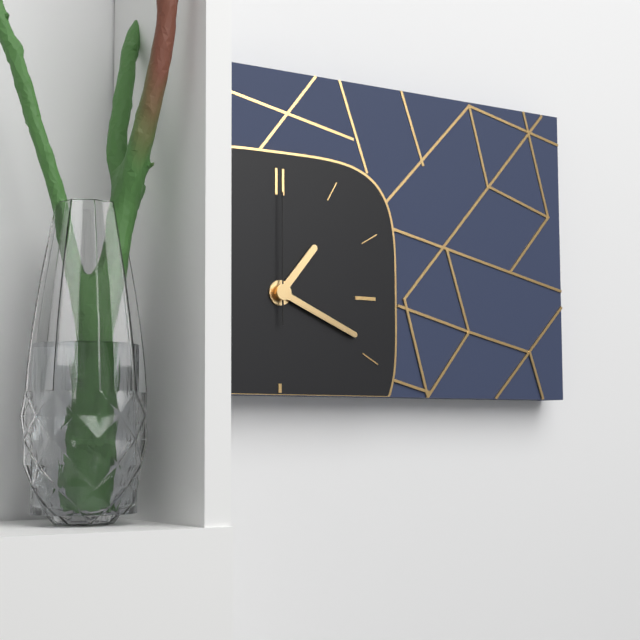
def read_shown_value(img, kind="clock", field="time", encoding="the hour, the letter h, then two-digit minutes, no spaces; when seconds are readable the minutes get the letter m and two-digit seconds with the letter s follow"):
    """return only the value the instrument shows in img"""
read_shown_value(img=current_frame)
1h19m00s
